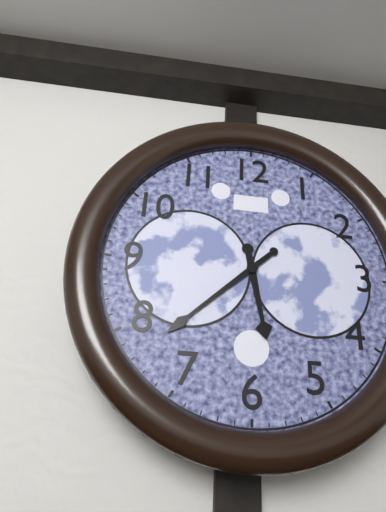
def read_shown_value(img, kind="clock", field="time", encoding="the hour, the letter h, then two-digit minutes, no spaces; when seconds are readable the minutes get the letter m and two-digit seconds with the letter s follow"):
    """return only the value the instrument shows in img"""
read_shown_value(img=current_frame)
5h38
